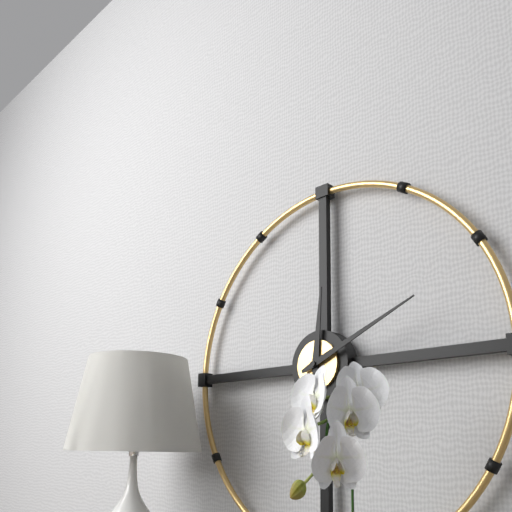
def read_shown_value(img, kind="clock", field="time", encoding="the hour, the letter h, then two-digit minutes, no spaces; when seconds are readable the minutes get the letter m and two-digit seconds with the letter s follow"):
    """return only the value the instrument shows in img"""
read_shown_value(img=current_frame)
12h11
